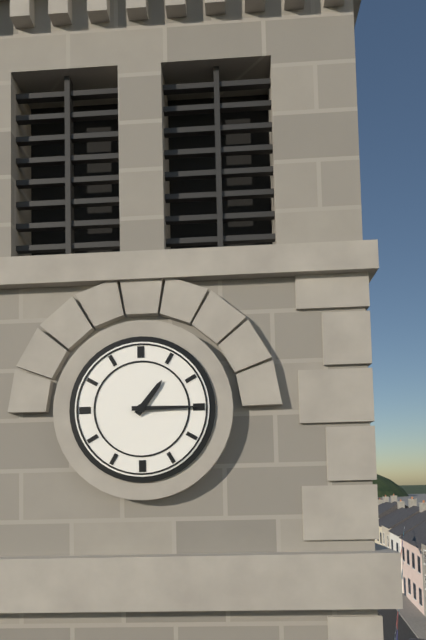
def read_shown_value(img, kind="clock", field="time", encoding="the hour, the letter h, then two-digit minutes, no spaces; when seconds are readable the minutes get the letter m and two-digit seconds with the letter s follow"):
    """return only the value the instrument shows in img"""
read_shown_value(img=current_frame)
1h15
